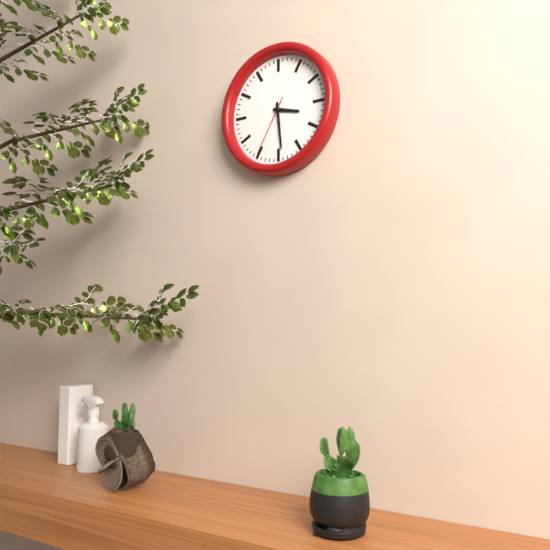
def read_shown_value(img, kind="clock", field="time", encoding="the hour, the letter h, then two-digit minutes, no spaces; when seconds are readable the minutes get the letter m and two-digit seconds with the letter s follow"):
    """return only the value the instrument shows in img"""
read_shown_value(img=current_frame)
3h29m35s
